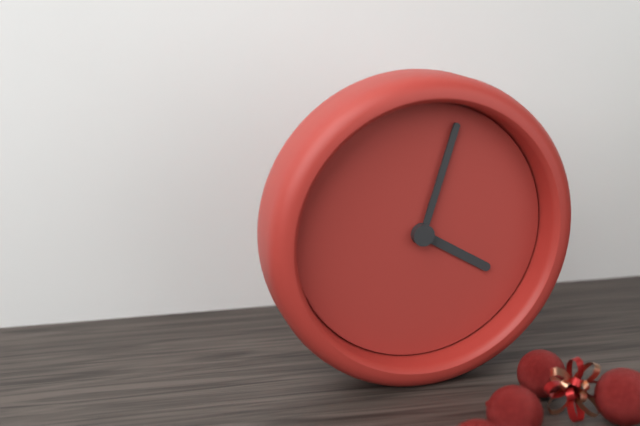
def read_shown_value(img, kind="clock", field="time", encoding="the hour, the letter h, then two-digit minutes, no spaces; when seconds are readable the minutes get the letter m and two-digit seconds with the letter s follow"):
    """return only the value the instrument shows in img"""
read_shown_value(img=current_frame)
4h03
